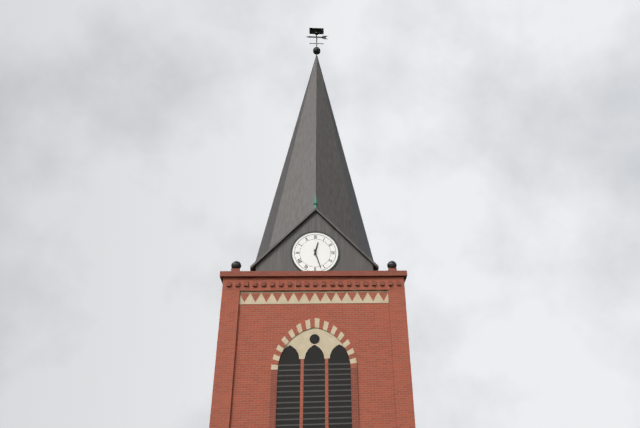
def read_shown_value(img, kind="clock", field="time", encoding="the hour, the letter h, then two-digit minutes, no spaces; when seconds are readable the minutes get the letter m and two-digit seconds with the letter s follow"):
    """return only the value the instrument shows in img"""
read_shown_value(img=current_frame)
12h27
